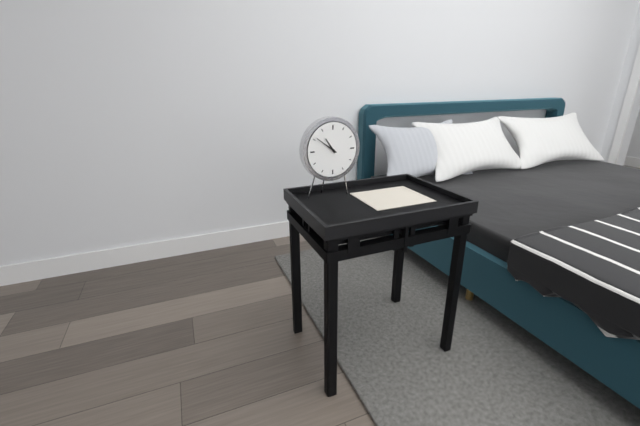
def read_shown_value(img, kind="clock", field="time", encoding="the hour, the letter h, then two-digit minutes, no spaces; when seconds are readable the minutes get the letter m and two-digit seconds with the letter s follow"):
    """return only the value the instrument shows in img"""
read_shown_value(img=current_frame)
10h51
